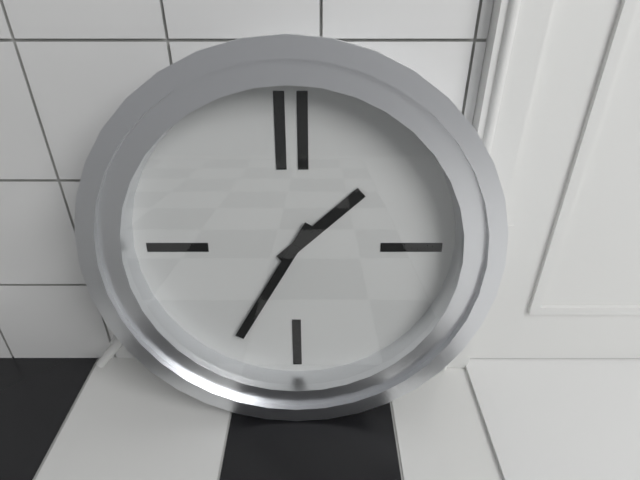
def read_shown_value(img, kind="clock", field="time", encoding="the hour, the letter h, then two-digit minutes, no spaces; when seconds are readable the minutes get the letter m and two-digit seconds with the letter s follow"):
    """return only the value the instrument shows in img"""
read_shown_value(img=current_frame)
1h35
